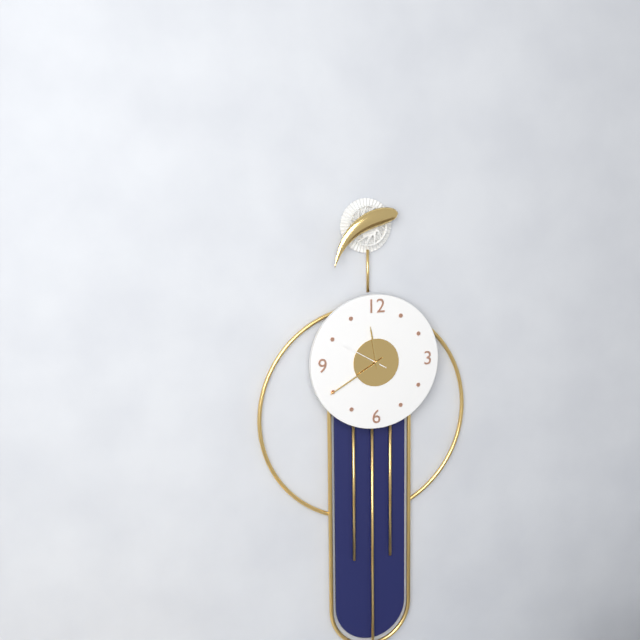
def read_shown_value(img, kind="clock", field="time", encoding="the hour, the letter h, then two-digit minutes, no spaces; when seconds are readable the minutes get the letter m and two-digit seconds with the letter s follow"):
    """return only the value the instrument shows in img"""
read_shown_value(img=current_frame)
11h40
